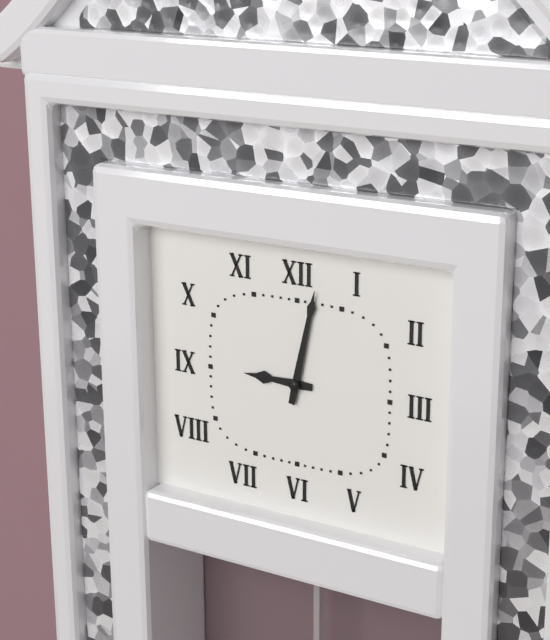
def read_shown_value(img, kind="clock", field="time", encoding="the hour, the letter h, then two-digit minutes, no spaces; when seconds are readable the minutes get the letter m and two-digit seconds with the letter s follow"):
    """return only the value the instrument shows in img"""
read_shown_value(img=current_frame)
9h02
